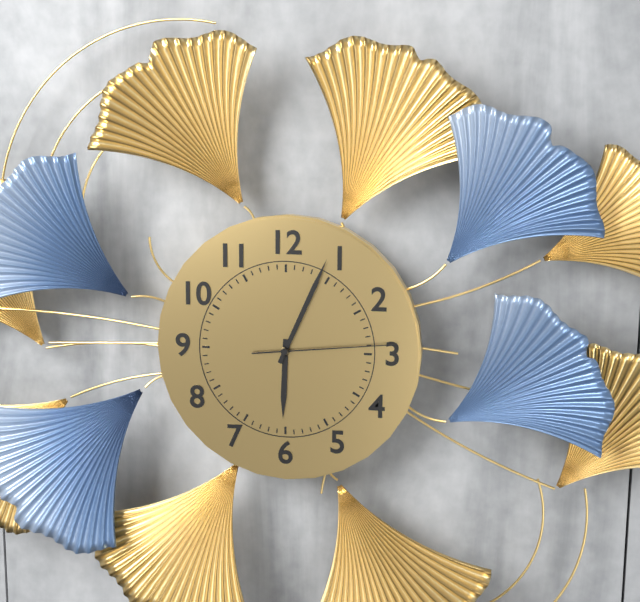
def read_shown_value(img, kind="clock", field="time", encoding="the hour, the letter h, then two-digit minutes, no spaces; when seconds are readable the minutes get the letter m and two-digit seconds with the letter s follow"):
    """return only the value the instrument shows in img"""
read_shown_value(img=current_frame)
6h04m14s
